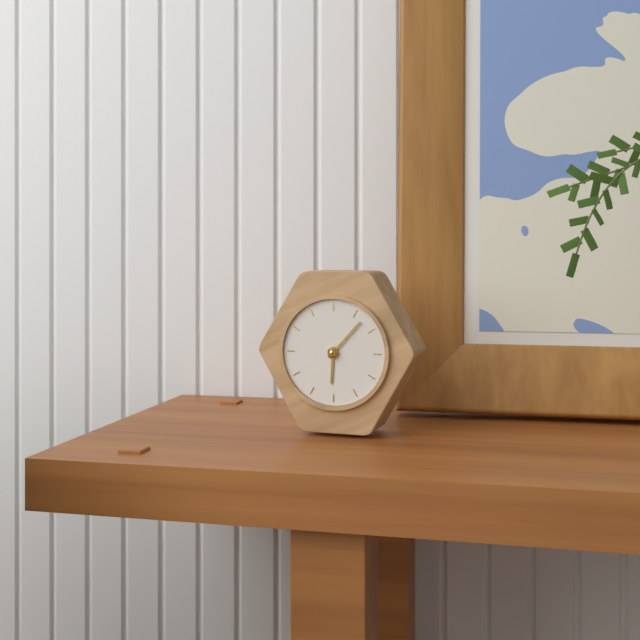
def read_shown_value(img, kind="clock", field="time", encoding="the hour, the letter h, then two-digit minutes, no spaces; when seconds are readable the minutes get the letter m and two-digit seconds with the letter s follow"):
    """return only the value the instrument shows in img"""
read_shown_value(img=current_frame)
6h07
